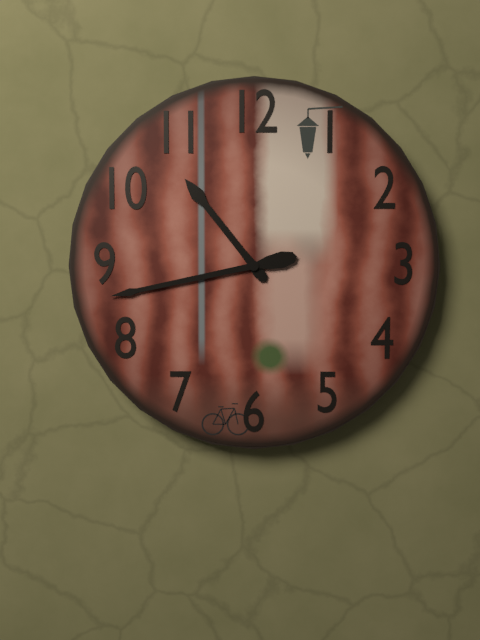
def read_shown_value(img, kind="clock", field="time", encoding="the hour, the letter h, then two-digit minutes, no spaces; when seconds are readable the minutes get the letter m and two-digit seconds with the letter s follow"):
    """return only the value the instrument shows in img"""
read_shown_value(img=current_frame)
10h43
